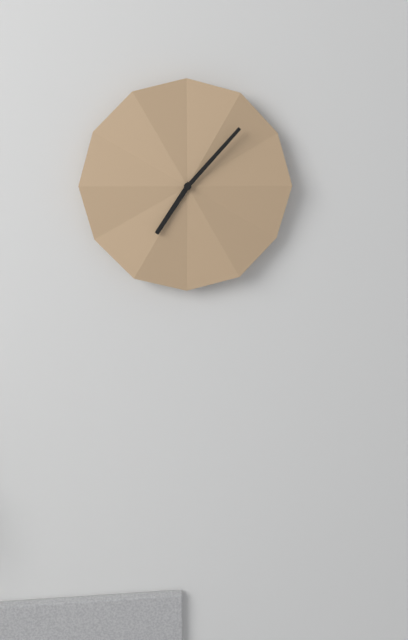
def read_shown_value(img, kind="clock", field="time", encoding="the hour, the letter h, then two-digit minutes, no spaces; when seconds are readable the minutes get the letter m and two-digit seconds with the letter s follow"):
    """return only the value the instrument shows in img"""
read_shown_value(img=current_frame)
7h07
